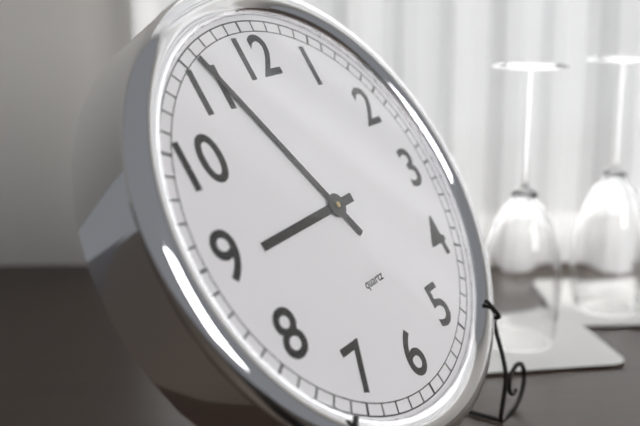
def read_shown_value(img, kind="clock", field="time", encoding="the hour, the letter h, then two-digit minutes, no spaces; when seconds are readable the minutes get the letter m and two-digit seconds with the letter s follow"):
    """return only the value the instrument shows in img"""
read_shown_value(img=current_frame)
8h56
